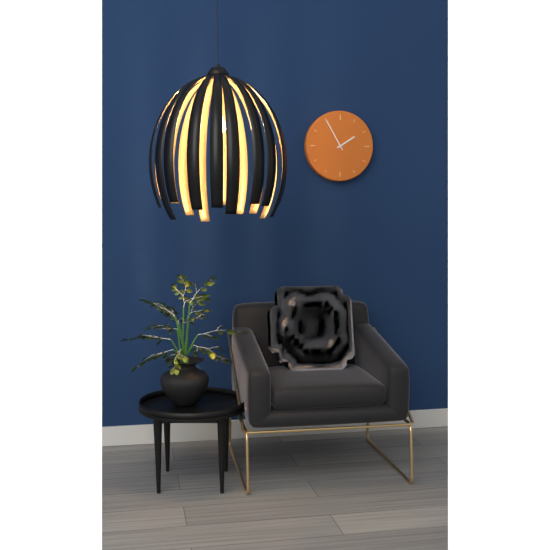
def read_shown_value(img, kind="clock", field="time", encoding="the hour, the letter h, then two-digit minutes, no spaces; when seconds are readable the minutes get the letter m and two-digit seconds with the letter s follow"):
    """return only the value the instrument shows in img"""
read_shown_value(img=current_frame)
1h55
